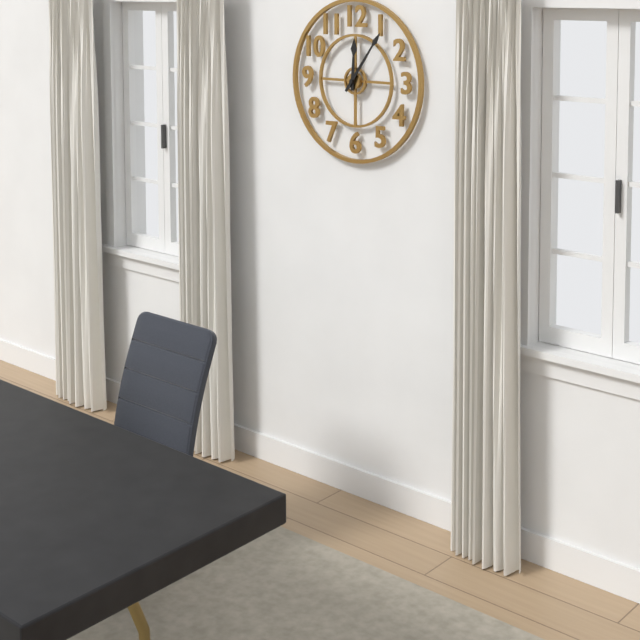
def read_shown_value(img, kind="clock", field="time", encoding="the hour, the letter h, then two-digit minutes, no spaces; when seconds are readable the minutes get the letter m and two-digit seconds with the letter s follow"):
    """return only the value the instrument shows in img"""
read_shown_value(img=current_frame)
12h06
